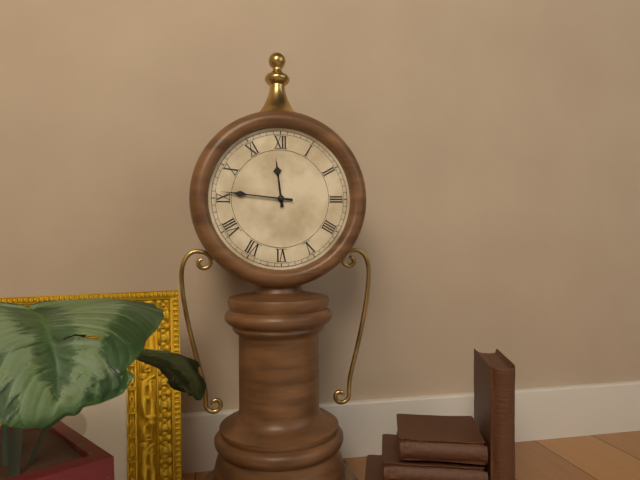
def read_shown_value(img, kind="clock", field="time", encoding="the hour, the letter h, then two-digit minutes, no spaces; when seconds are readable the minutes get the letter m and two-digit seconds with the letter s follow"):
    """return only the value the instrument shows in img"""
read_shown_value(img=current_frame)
11h46
